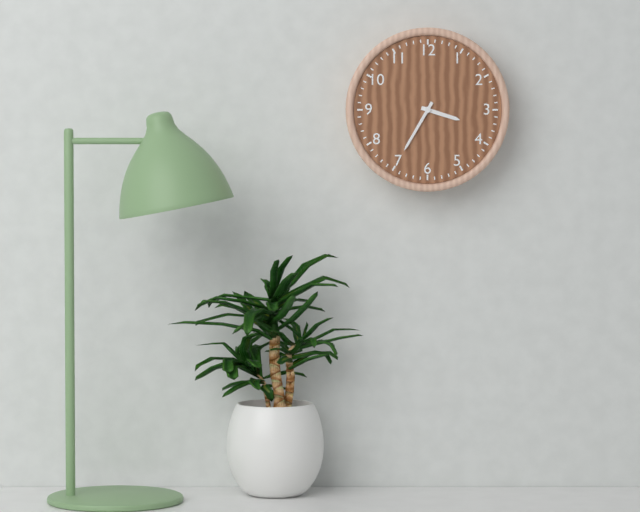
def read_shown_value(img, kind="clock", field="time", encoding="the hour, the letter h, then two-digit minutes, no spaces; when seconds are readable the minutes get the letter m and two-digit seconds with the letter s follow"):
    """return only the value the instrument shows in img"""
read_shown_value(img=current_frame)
3h35
